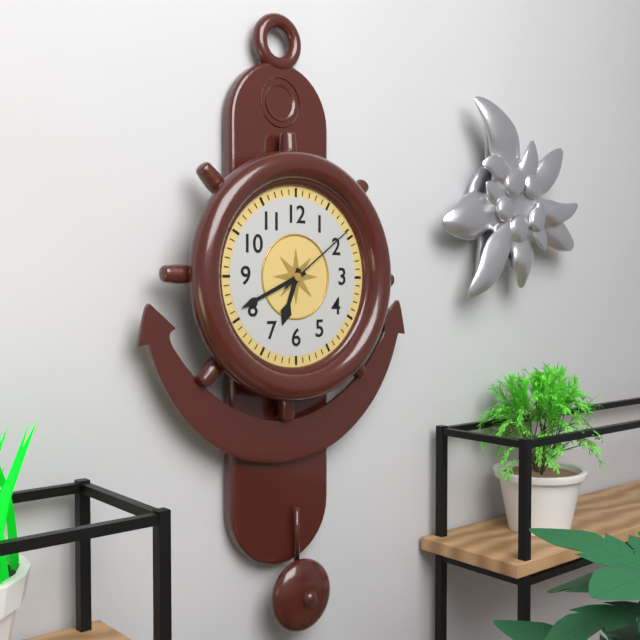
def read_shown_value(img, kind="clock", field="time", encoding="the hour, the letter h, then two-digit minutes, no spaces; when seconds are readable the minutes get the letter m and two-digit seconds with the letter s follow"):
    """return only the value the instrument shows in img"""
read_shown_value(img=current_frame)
6h41m09s
